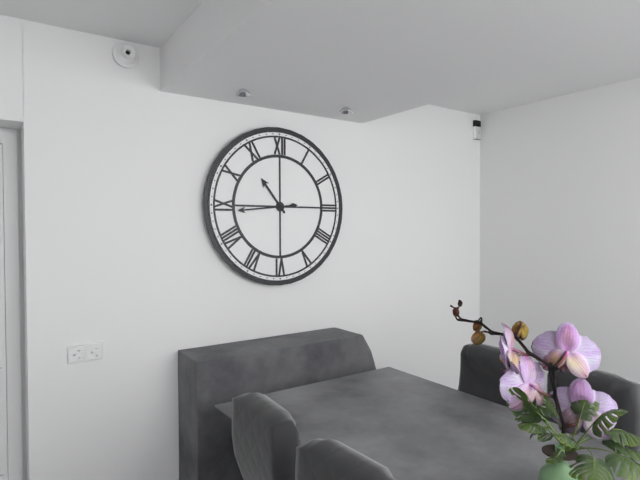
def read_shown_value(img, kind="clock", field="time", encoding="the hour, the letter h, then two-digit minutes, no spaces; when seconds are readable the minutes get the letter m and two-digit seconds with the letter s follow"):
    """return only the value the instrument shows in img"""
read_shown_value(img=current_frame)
10h44
